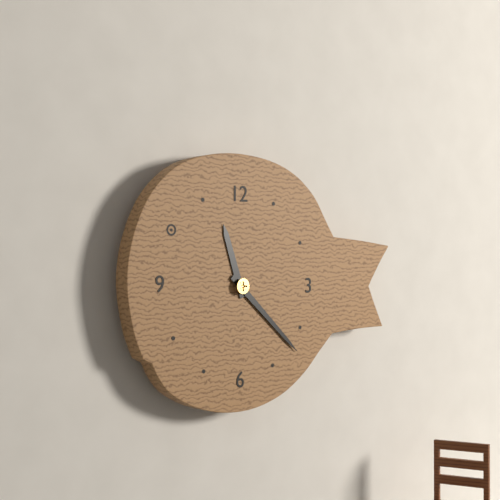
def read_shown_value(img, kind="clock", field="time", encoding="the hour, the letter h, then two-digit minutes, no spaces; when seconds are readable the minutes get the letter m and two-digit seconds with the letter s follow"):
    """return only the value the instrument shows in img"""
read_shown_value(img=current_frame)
11h22
